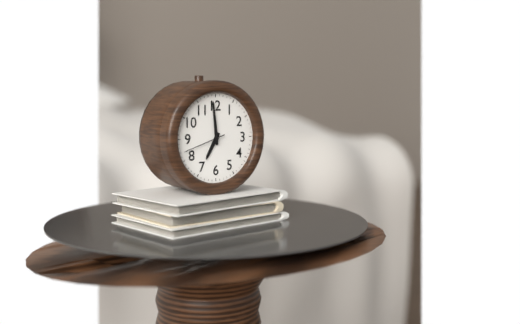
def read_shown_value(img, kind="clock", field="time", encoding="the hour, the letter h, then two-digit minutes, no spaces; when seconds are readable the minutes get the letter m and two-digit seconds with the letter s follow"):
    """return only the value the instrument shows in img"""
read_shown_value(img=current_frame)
6h59
